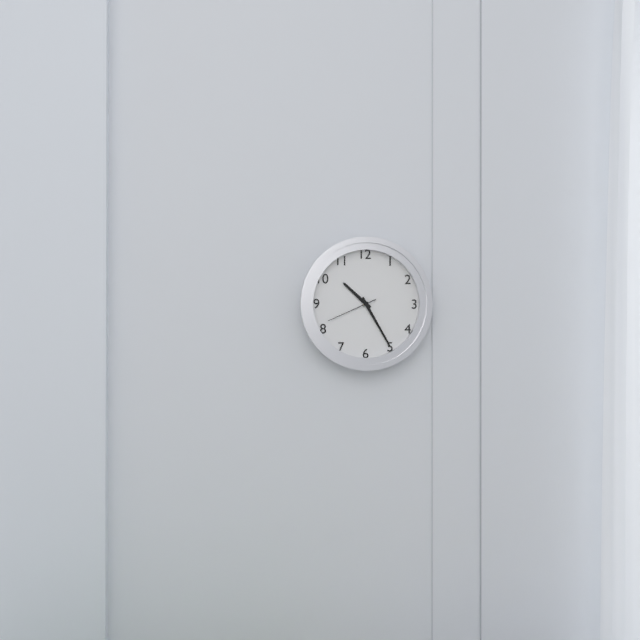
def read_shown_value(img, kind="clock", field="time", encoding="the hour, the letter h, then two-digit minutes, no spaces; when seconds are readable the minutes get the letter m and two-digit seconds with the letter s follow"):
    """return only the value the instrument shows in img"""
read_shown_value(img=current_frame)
10h25m41s
